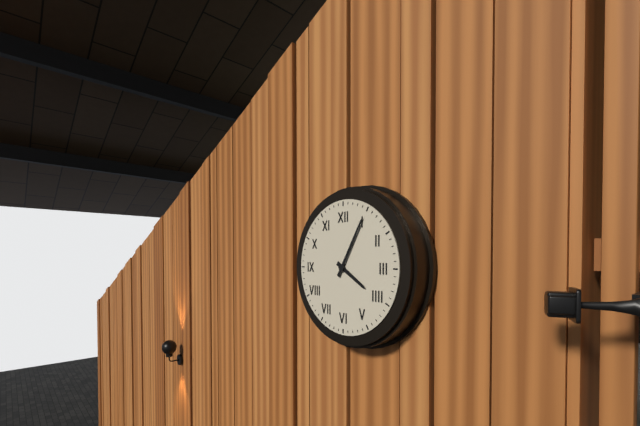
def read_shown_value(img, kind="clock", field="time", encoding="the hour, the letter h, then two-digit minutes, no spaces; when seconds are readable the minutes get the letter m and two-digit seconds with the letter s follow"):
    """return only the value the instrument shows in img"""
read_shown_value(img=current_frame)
4h05
